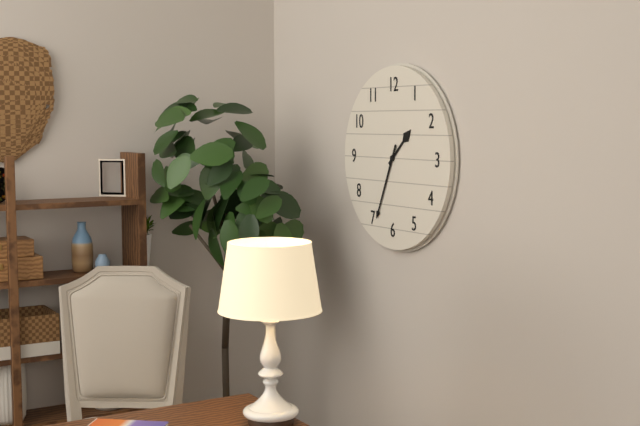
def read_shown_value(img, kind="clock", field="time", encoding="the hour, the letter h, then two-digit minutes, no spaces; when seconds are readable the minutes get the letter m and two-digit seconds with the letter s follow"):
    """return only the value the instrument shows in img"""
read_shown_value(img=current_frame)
1h34
